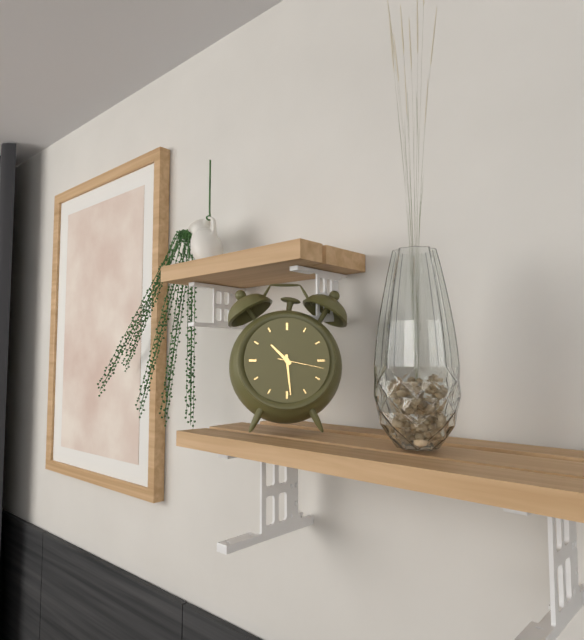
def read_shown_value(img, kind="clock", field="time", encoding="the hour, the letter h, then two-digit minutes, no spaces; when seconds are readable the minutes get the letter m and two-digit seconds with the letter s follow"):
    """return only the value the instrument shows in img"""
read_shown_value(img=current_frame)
10h29
